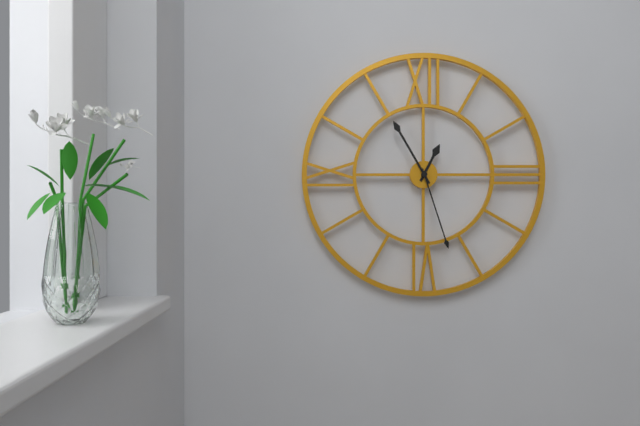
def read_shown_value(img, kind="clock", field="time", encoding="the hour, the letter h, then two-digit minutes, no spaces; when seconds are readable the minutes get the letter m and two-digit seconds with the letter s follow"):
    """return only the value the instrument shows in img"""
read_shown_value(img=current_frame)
12h55m27s
